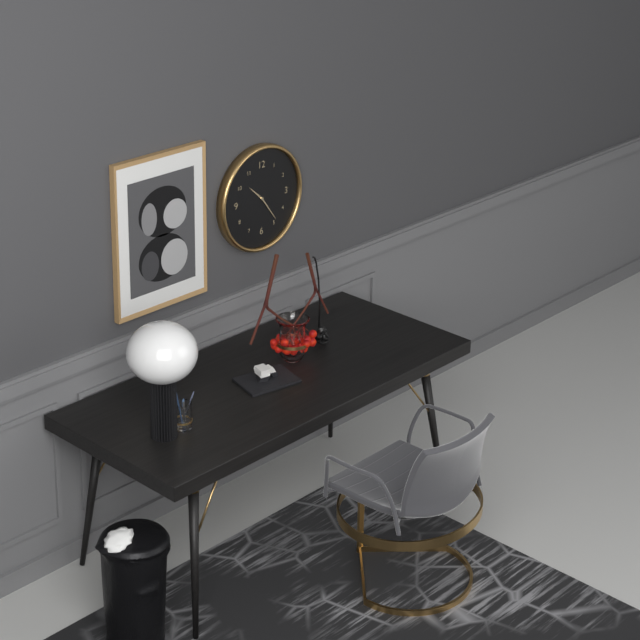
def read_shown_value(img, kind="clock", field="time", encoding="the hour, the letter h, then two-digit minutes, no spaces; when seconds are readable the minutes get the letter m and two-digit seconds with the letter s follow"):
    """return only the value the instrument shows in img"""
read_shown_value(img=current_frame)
10h24
